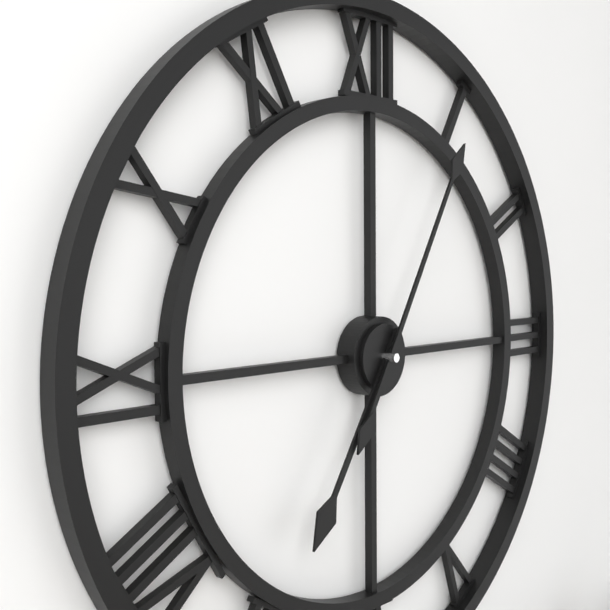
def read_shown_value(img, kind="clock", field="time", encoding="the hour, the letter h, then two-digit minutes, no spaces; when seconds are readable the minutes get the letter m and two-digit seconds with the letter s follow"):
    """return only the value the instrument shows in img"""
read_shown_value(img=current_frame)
7h05
